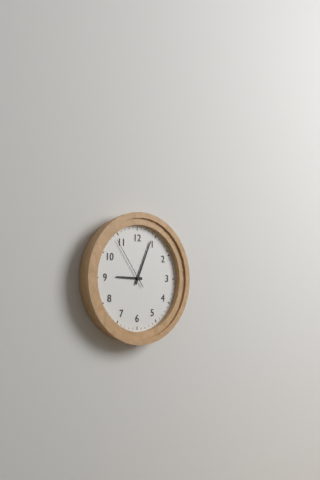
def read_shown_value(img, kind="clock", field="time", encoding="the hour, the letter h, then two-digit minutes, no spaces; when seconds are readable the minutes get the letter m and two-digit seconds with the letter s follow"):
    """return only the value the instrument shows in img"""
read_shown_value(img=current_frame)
9h04m54s
